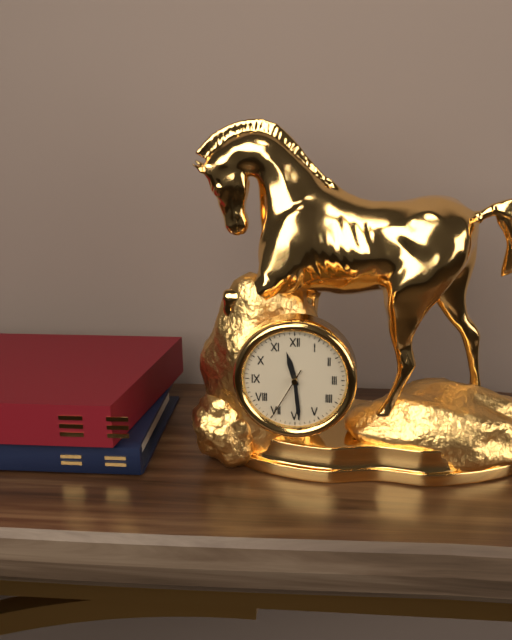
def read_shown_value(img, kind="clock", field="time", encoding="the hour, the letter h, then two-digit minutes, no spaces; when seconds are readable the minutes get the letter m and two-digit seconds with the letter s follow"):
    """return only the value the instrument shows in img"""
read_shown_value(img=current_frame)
11h29m35s
